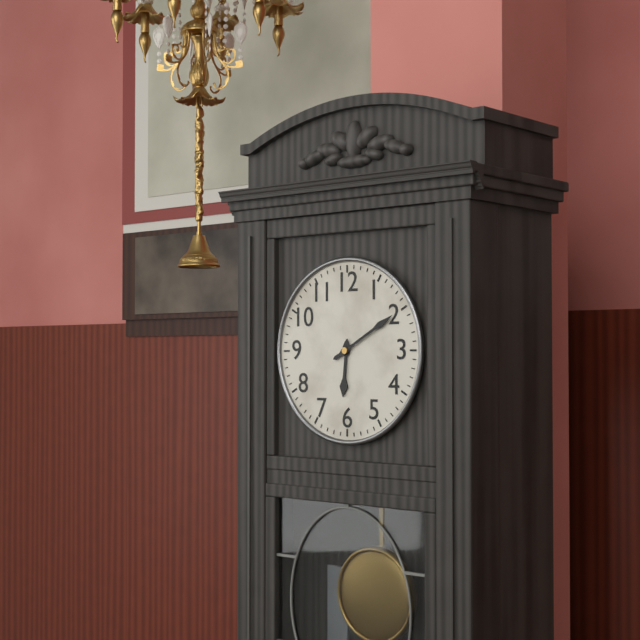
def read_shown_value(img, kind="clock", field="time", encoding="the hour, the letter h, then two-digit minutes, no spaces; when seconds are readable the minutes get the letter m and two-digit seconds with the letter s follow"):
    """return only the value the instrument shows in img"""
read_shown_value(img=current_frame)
6h10
